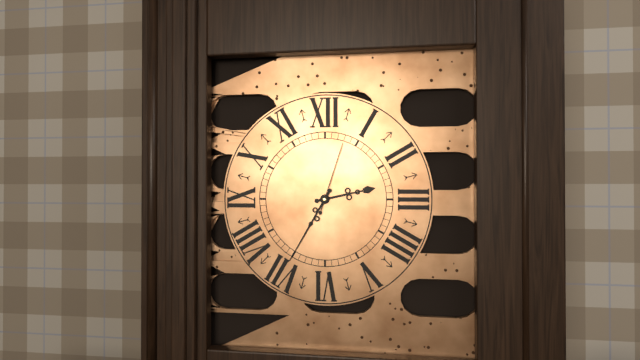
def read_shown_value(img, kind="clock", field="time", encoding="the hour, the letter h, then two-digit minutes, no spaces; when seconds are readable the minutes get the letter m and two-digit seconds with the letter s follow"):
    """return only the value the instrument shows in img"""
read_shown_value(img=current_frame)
2h35m03s
